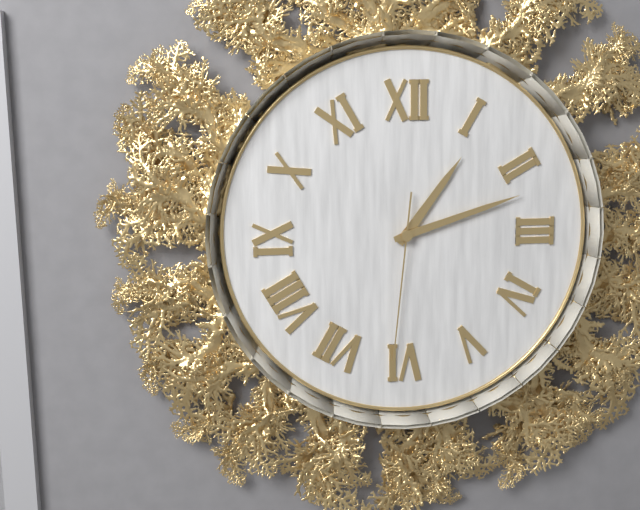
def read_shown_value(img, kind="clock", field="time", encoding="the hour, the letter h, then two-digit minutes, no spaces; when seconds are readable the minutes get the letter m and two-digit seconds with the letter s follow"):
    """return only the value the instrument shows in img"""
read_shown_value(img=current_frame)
1h12m31s
